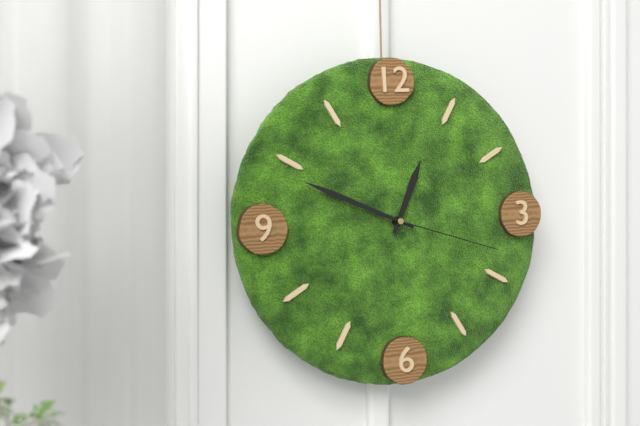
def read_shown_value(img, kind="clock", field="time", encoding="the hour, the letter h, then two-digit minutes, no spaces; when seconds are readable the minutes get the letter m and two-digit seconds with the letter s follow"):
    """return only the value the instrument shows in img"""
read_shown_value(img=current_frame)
12h49m18s
